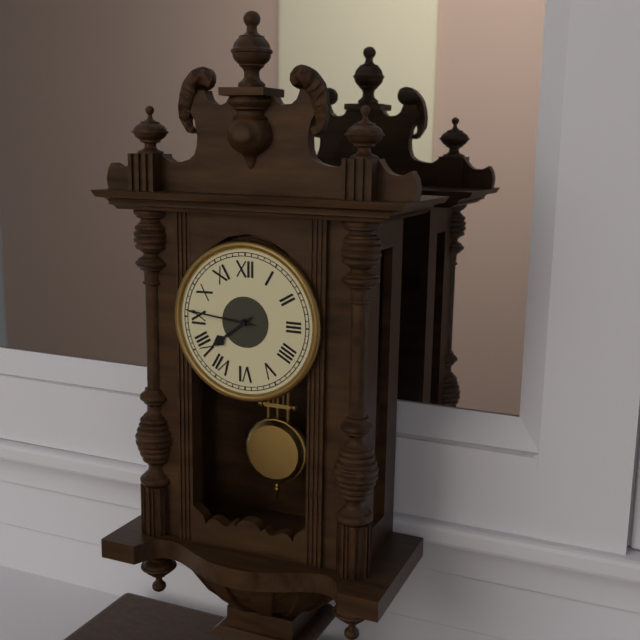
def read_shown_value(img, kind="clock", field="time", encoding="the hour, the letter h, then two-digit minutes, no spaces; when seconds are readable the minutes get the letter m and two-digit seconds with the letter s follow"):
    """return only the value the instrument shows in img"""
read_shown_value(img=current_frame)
7h46
